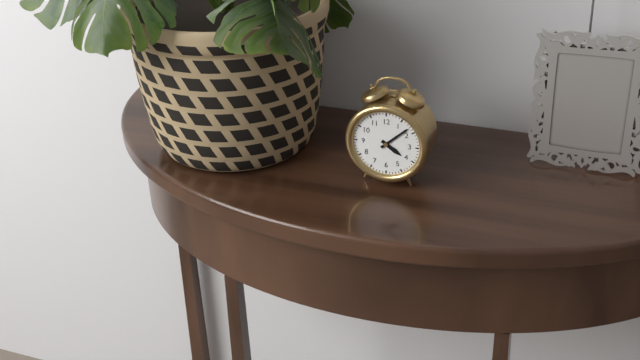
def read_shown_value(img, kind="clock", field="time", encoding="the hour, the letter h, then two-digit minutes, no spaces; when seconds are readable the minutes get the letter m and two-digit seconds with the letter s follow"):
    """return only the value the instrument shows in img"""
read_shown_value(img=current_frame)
4h08
